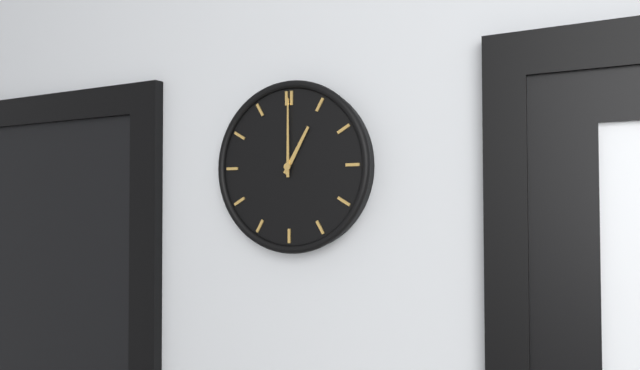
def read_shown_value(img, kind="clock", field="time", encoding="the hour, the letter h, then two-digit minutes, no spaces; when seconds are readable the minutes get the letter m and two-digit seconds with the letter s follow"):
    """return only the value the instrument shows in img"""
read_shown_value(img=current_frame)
1h00
